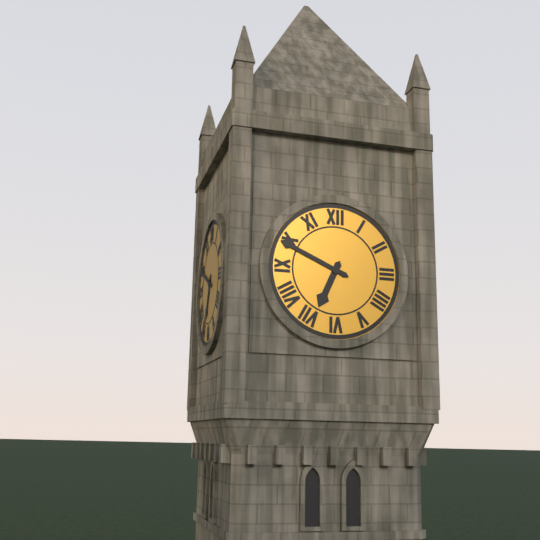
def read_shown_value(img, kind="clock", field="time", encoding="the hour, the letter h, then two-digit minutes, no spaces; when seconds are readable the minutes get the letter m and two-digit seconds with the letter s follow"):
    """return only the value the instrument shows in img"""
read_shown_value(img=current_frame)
6h49
